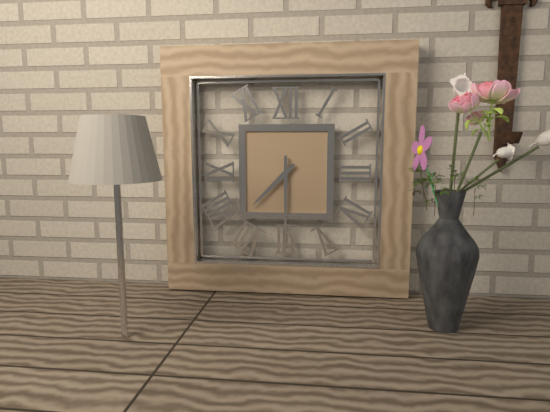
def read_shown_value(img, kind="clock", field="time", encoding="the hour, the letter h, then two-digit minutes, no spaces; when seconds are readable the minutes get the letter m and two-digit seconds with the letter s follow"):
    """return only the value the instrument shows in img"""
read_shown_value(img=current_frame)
7h30
